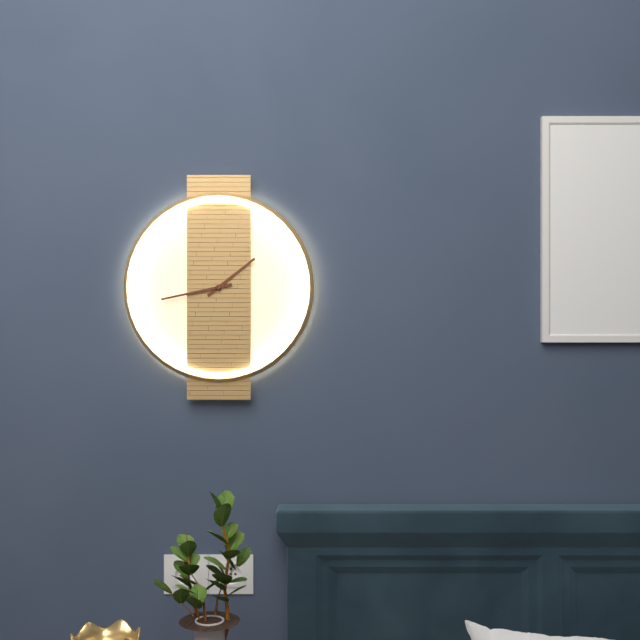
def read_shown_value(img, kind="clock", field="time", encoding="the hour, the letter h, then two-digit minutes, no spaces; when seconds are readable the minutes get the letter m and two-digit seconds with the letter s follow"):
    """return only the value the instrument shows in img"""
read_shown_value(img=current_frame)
1h43
